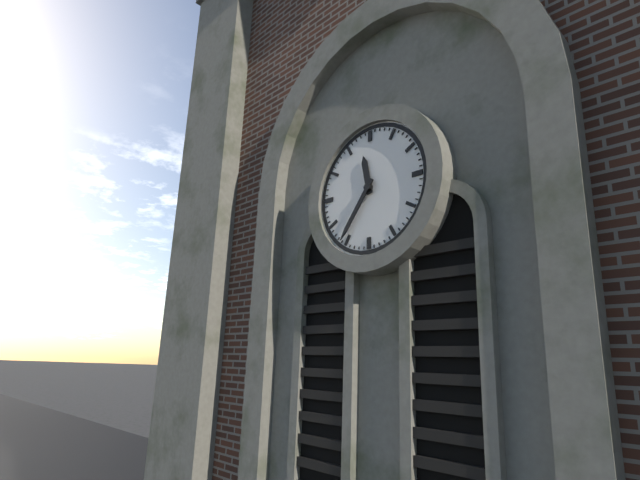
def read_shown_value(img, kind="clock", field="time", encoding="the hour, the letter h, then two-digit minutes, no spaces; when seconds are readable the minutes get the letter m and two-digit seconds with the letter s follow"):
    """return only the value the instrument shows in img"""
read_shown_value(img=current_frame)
11h36
